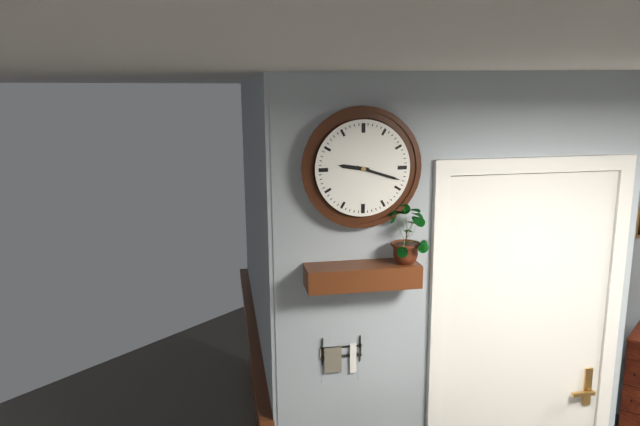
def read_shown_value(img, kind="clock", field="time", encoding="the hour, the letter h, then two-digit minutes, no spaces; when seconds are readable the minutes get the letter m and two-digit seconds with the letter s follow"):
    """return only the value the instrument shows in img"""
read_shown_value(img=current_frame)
9h18
